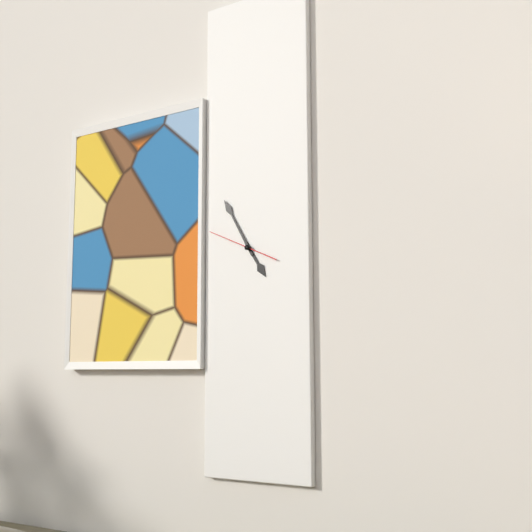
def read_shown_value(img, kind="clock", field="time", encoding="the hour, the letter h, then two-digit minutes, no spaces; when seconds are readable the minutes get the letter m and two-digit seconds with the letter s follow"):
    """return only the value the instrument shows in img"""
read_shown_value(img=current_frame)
4h55m49s
